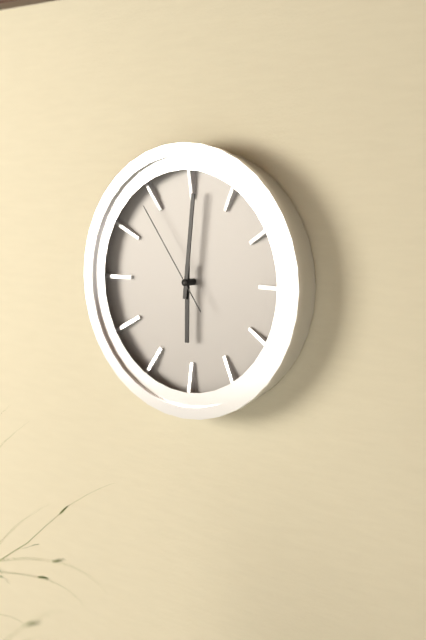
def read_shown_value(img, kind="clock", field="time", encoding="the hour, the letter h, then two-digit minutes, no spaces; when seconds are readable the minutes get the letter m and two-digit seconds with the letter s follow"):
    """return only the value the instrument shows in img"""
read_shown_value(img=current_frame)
6h01m54s
